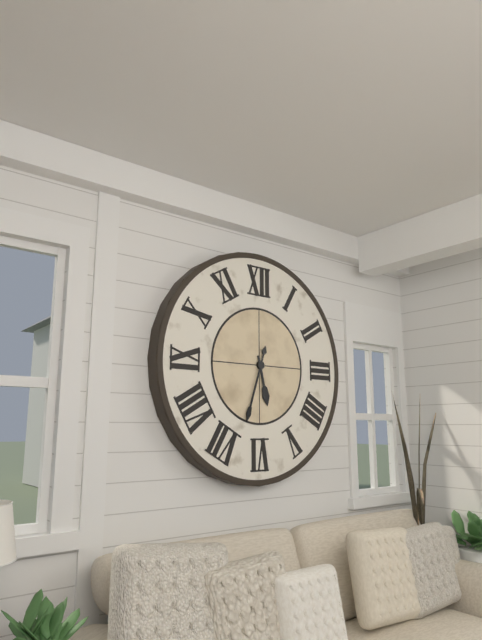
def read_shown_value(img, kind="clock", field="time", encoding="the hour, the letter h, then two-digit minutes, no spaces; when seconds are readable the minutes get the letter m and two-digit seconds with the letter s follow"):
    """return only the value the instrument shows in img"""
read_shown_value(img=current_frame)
5h33
